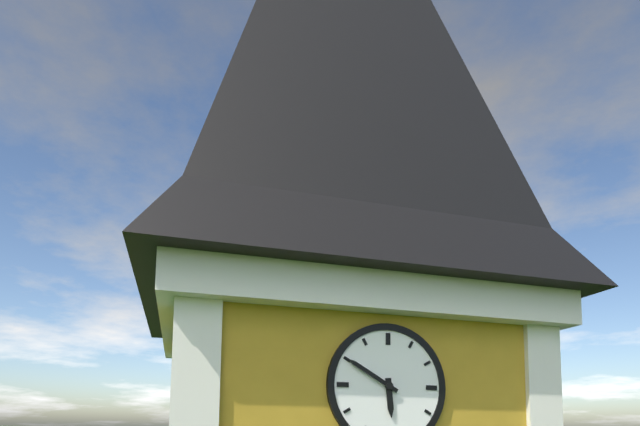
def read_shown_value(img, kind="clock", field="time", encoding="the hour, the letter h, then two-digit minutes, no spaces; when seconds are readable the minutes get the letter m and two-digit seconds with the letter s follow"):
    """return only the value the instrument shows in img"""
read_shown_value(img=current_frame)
5h50
